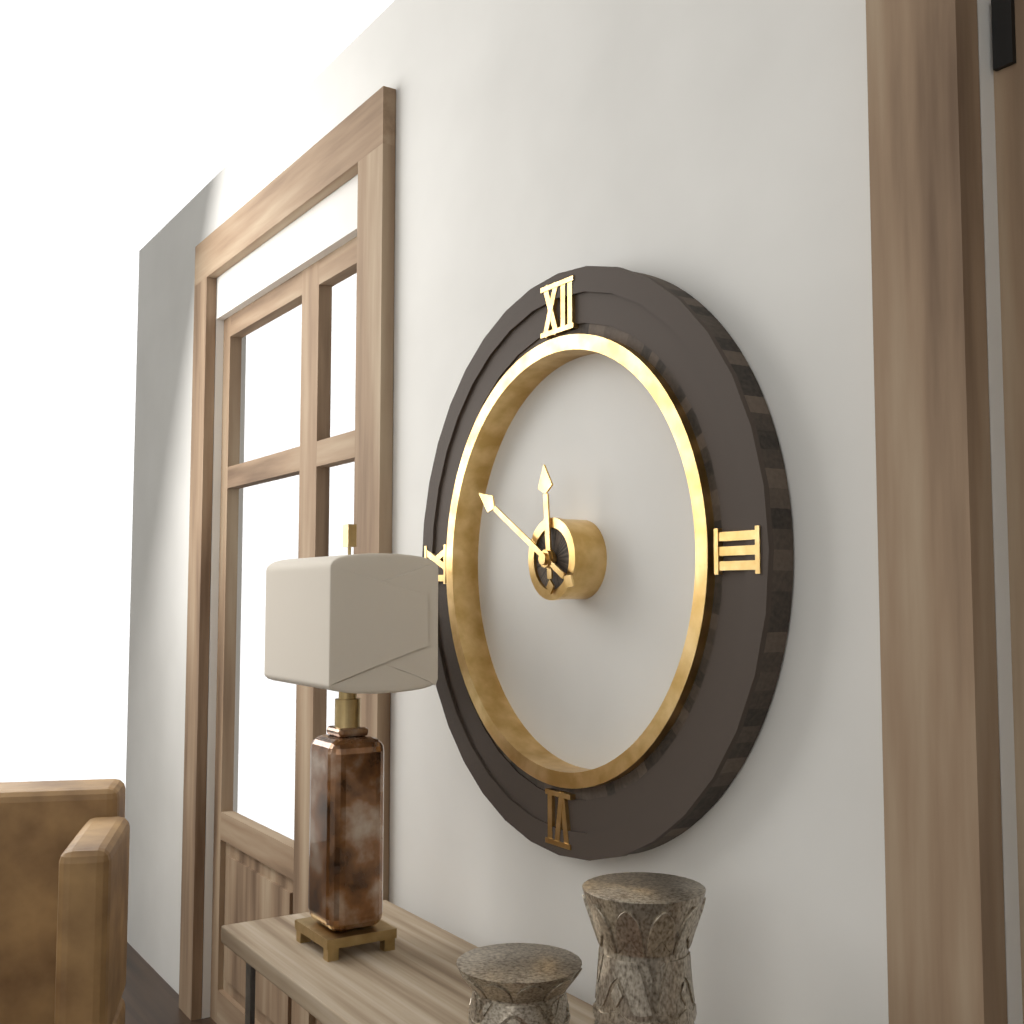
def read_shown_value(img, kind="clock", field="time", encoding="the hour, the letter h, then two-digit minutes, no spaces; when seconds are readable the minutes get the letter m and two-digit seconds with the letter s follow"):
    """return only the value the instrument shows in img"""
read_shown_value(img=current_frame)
11h50
